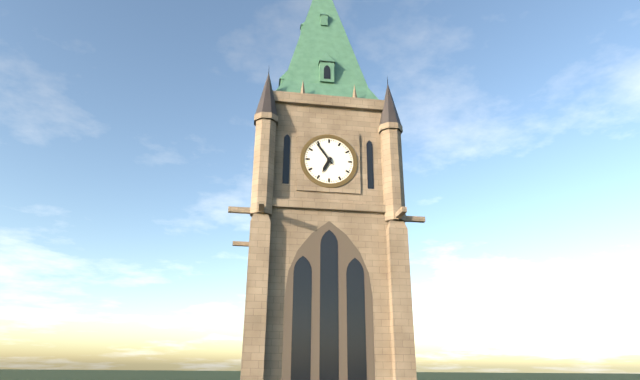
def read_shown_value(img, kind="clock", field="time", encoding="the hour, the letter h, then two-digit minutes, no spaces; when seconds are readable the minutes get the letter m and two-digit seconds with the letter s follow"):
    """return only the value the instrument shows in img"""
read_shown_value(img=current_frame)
6h54
